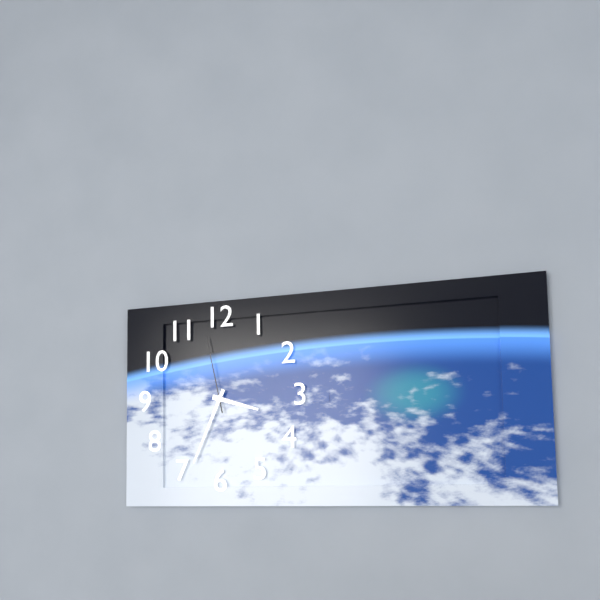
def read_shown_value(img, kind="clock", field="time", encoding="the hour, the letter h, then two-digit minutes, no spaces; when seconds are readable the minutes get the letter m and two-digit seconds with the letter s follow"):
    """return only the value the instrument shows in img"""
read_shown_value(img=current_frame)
3h34m58s
